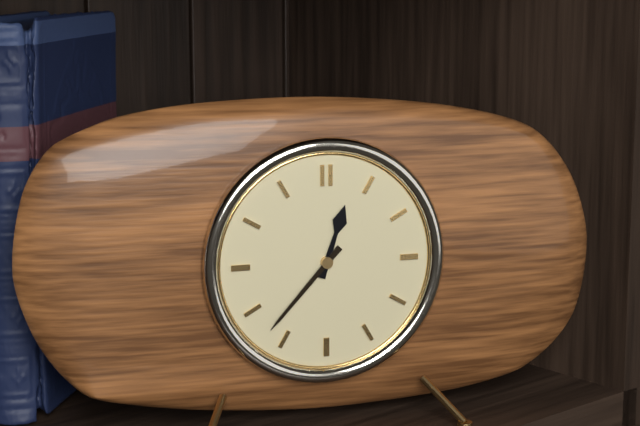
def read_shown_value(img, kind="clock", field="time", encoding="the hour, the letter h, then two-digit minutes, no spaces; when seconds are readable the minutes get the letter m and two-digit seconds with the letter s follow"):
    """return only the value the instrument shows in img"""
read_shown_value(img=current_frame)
12h37
